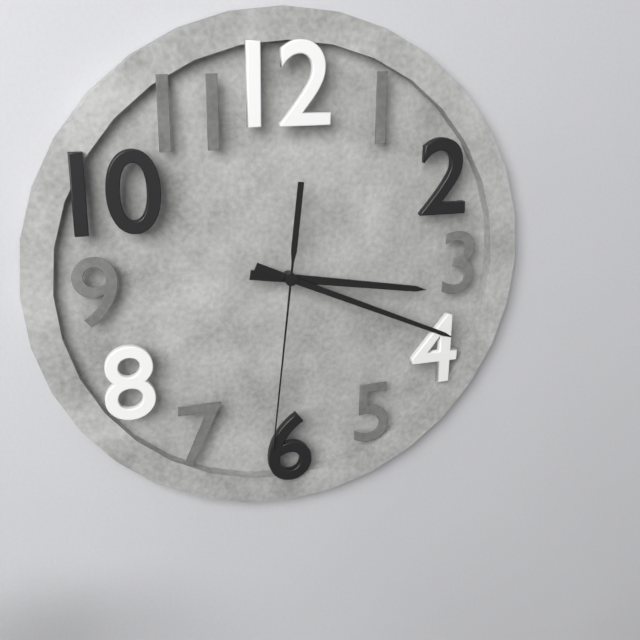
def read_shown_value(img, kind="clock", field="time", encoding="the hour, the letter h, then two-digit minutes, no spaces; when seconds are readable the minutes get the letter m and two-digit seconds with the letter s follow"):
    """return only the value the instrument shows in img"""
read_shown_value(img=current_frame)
3h19m31s
